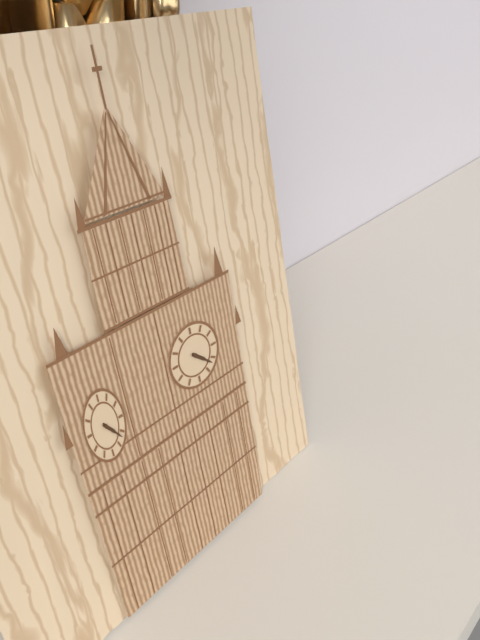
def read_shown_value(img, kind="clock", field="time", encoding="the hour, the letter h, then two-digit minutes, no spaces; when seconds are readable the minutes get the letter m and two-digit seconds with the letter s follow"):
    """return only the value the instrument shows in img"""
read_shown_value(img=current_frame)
4h22
